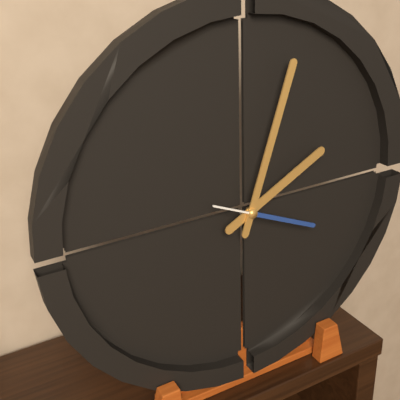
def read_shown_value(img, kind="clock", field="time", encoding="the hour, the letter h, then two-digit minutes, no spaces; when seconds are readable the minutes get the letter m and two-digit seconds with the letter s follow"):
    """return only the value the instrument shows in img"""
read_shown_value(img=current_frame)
2h03m19s
